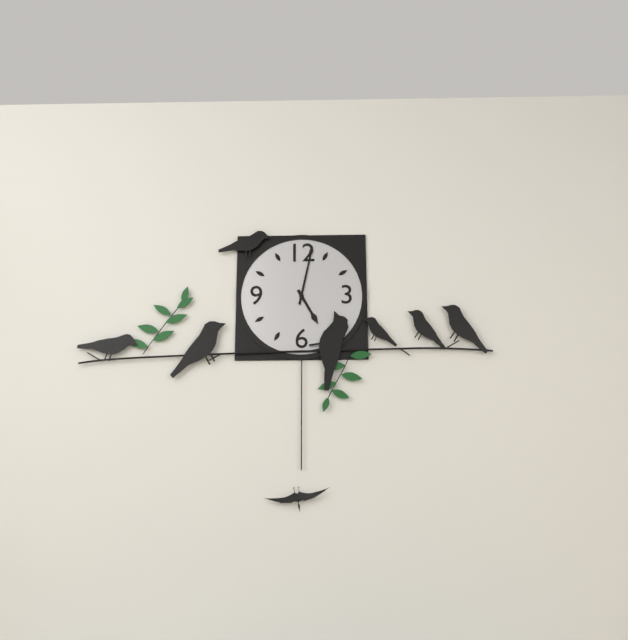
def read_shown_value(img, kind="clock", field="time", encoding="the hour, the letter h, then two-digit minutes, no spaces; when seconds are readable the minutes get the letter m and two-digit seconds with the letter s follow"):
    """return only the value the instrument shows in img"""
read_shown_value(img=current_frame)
5h02
